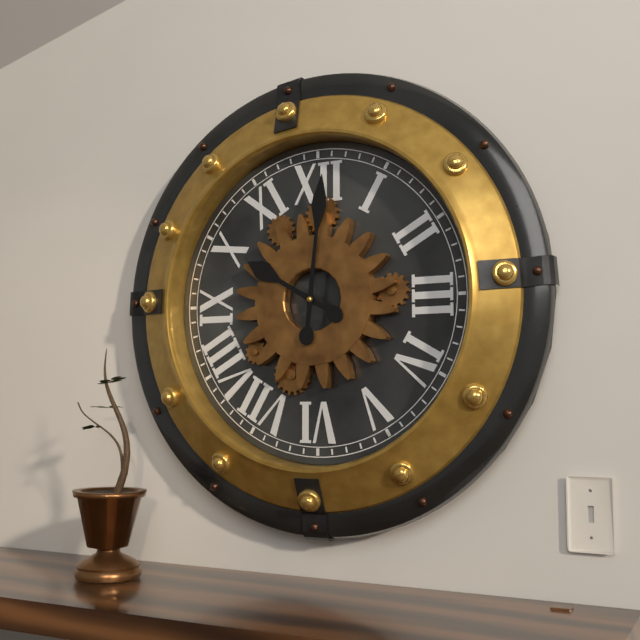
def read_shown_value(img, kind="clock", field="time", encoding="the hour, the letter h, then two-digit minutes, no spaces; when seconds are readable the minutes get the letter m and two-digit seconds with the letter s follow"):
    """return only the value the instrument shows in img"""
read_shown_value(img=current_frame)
10h01
